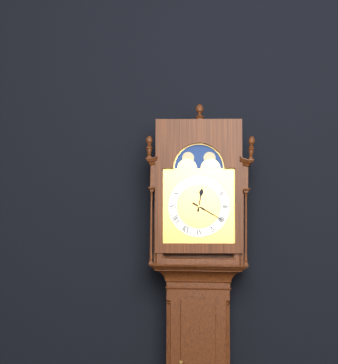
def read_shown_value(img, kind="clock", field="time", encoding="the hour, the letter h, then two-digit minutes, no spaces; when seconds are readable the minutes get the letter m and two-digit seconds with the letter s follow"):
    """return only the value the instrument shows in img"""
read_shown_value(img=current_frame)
12h20
